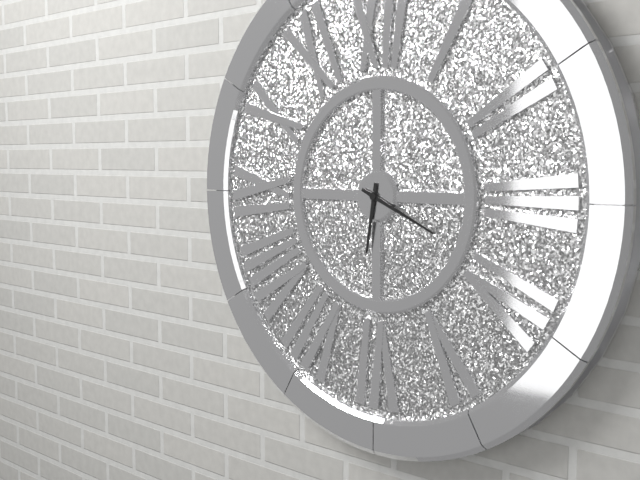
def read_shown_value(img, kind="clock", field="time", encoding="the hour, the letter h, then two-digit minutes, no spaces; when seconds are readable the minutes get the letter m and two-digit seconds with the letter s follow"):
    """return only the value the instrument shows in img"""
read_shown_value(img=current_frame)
6h19
